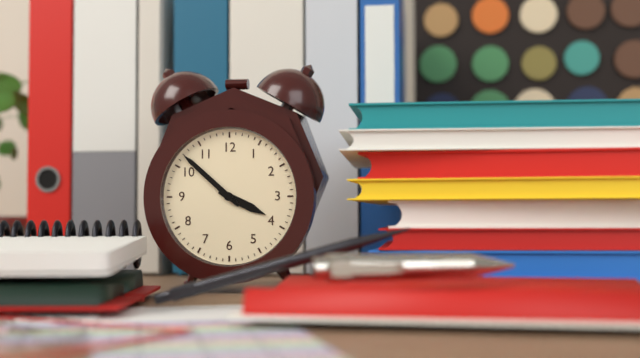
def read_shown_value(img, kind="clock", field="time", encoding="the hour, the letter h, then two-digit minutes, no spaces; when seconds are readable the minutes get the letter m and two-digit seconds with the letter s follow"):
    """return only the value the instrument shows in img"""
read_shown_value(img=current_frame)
3h52
